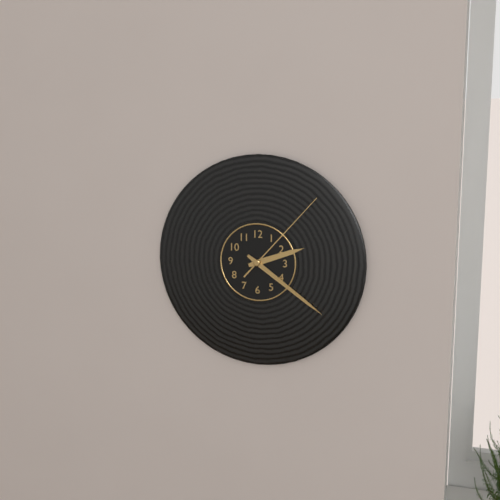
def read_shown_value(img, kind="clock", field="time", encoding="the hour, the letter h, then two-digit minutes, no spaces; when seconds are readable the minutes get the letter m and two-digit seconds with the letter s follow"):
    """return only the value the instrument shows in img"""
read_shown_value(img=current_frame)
2h21m07s
